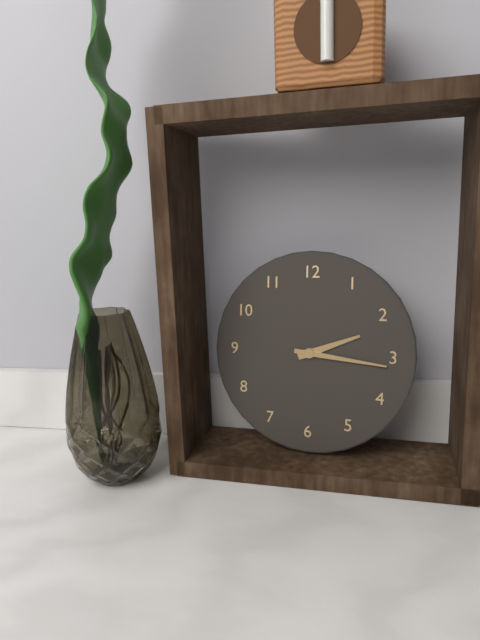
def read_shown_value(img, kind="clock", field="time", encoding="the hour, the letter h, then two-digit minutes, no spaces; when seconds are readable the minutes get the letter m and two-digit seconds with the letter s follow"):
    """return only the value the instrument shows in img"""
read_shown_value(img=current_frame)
2h16
